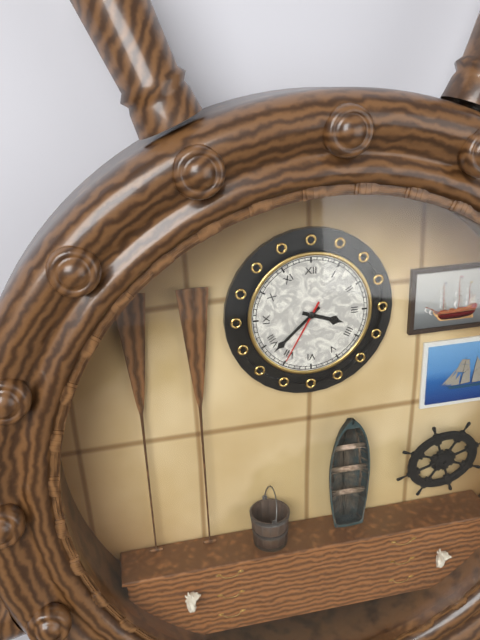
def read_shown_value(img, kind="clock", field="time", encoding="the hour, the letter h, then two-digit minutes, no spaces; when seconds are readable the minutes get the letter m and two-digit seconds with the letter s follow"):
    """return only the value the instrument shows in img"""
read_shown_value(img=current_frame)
3h38m35s
